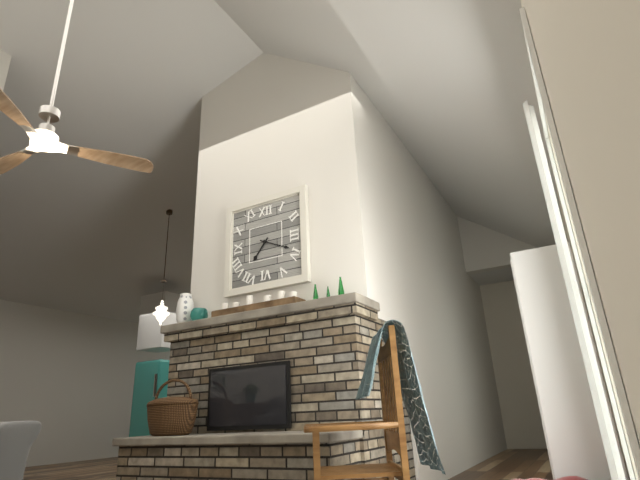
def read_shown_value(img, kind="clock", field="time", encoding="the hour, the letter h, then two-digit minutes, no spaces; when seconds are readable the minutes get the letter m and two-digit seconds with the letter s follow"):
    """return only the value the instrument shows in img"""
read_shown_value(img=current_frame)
7h19
